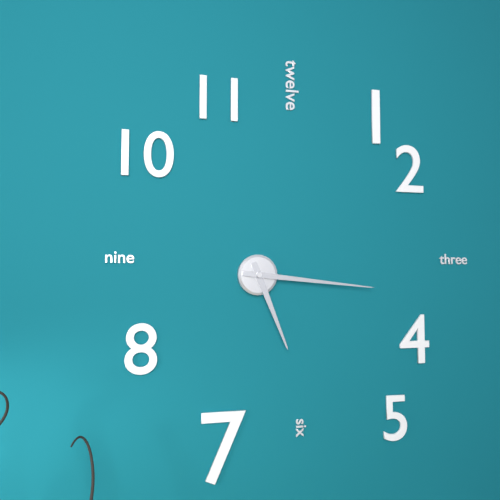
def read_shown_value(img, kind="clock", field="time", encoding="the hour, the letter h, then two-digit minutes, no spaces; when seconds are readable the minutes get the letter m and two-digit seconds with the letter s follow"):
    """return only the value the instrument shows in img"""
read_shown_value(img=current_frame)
5h16
